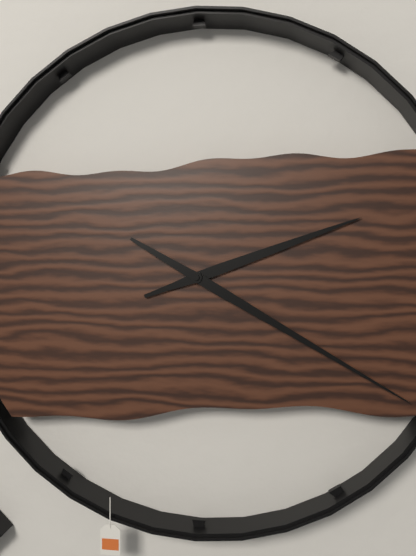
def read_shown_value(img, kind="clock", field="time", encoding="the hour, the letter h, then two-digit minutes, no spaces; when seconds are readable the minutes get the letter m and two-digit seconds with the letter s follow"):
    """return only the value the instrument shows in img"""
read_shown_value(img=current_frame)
2h20
